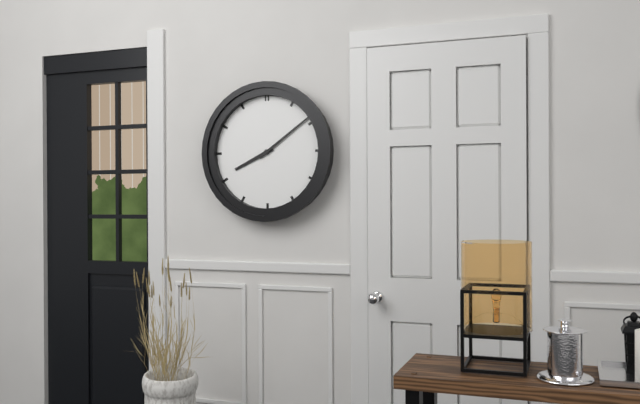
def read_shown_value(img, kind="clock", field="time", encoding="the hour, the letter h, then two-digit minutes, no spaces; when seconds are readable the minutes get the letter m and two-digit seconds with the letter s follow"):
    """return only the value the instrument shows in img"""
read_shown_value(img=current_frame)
8h09
